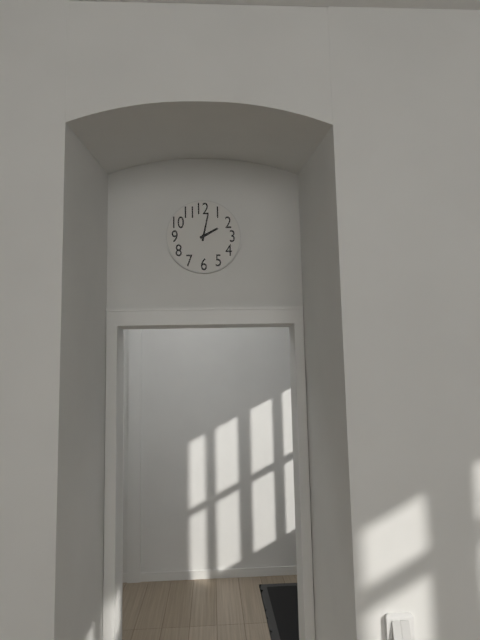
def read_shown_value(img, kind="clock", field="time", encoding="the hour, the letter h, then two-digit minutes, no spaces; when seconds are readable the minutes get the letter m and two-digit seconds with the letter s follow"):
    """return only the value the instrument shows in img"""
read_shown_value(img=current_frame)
2h02
